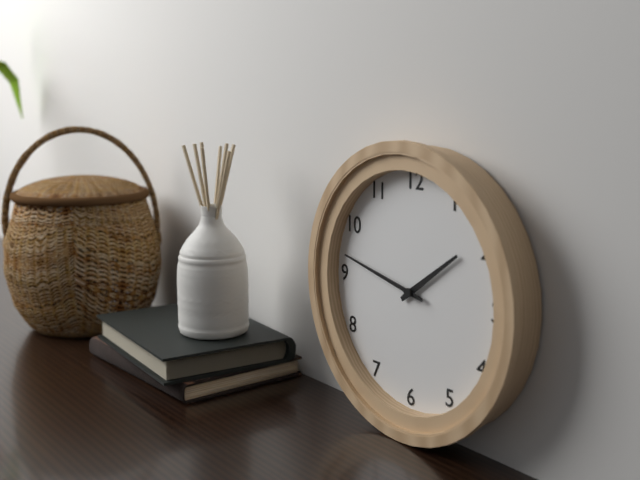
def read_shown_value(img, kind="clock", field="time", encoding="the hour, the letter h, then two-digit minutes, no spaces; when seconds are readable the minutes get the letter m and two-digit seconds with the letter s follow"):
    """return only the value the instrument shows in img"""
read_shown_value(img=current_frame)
1h47
